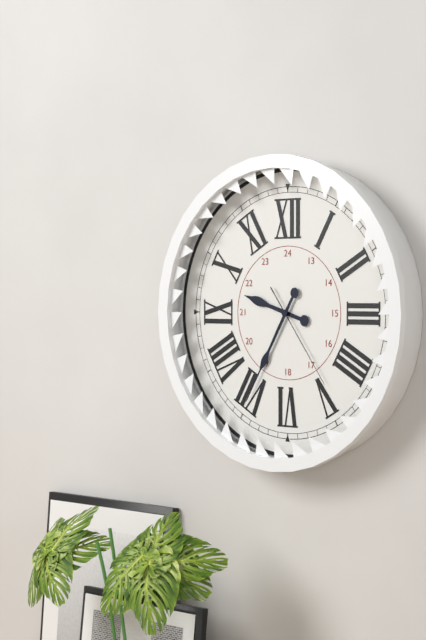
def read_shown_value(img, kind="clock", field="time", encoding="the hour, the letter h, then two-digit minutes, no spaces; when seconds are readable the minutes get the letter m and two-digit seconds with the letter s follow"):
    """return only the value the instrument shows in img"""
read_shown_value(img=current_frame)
9h35m24s
